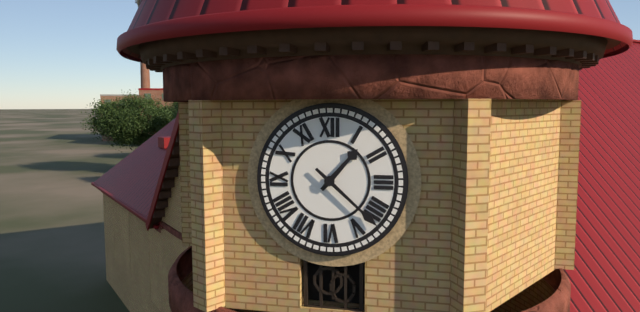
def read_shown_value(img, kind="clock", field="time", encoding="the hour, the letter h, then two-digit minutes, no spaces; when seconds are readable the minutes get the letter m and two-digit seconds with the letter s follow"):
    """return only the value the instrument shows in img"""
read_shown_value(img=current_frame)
1h22
